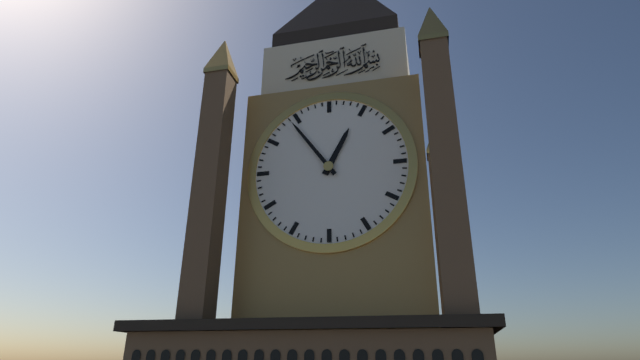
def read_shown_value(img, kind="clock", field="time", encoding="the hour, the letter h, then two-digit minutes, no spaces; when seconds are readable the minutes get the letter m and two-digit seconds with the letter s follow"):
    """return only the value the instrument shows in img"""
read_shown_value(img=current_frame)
12h54
